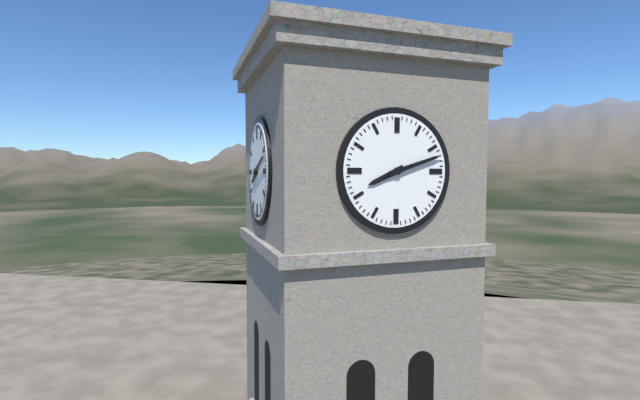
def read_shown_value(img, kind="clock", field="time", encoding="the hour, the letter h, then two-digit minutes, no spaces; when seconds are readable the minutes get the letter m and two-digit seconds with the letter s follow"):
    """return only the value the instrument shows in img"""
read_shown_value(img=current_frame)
8h12
